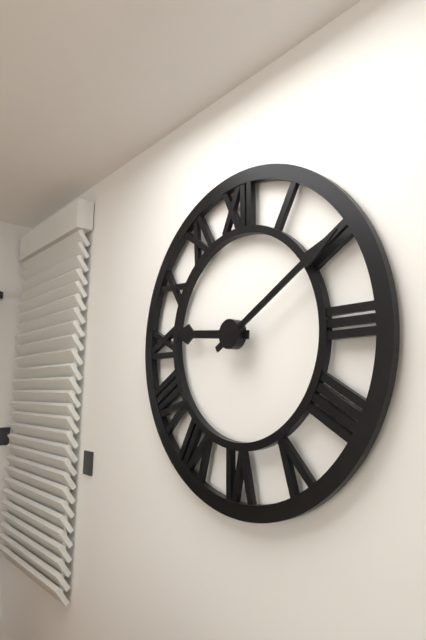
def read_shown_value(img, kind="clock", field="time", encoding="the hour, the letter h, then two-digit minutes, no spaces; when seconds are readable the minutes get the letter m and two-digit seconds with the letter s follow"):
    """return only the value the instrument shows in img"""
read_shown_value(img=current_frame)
9h10
